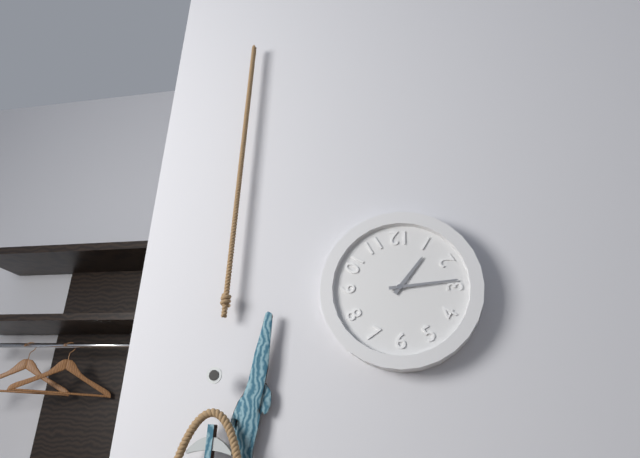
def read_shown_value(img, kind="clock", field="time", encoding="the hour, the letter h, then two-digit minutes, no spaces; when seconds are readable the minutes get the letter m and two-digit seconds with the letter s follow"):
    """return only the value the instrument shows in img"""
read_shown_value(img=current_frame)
1h14
